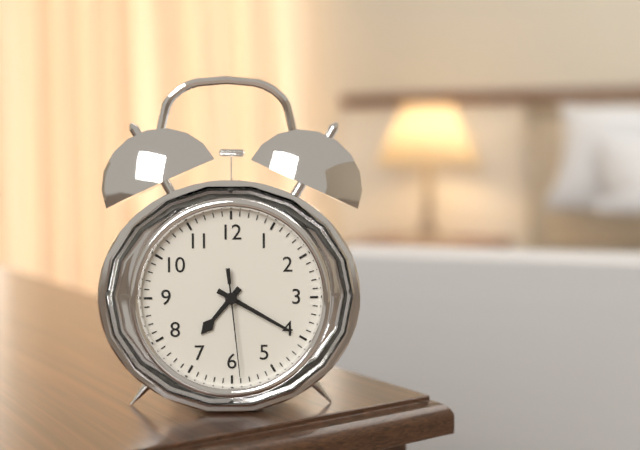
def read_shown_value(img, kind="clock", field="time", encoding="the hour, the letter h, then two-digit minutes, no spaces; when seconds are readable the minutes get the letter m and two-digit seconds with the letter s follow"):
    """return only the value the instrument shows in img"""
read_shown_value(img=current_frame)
7h20m29s
